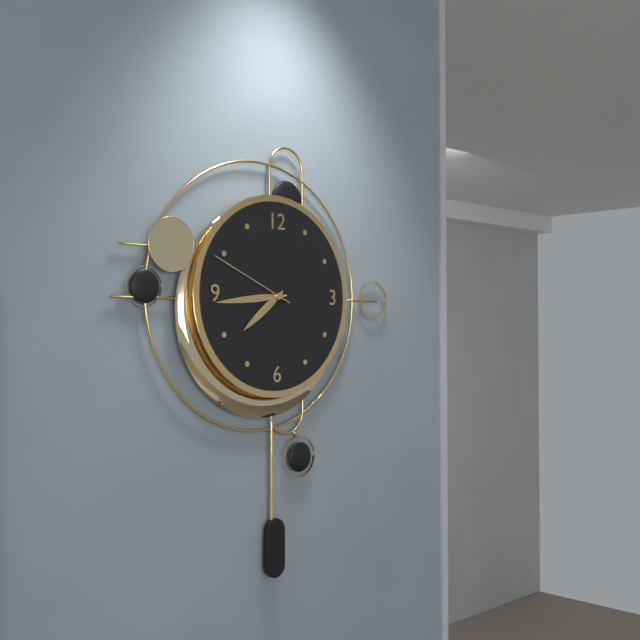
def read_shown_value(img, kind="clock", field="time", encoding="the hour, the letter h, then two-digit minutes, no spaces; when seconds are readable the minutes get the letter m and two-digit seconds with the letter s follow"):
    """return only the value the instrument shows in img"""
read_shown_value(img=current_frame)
7h44m49s
